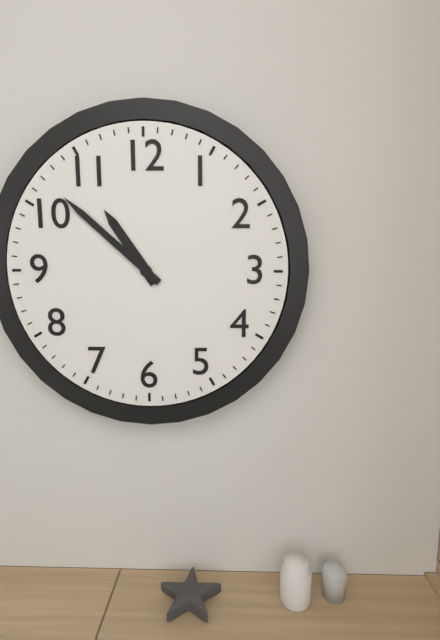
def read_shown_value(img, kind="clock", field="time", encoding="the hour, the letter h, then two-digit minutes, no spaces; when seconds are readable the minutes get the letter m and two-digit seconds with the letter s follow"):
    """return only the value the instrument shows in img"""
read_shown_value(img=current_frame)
10h52
